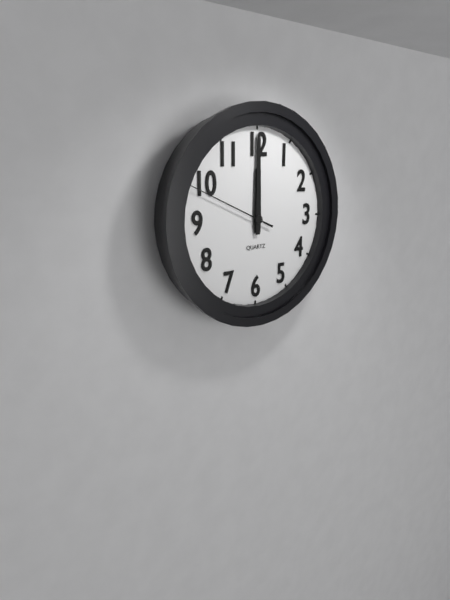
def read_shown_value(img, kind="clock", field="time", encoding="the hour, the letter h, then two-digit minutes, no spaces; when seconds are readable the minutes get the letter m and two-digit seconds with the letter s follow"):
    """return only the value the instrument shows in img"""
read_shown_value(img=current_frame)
12h00m49s
